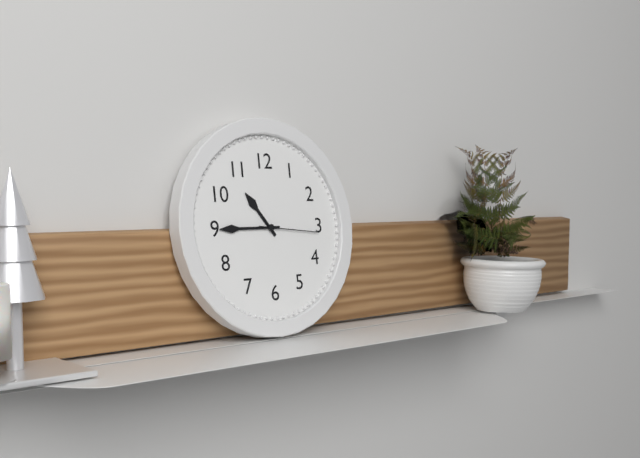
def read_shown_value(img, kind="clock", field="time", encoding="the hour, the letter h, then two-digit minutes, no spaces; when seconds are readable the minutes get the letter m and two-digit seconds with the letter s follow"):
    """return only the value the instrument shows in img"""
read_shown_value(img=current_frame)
10h45m16s
